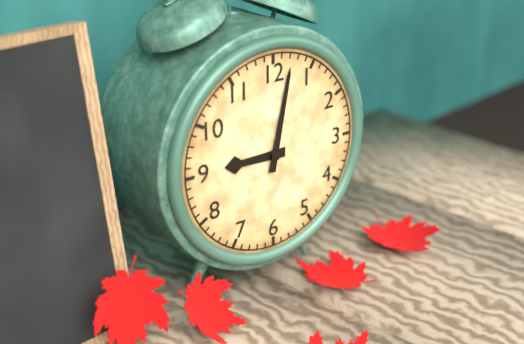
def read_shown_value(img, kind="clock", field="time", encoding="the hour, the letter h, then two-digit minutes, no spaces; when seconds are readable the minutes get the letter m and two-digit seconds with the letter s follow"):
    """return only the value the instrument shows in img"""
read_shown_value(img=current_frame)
9h02
